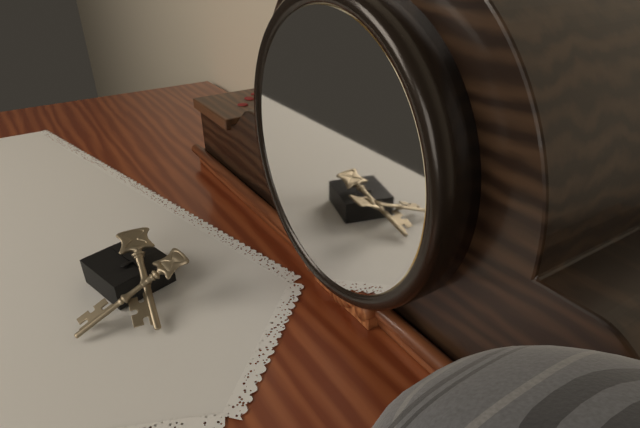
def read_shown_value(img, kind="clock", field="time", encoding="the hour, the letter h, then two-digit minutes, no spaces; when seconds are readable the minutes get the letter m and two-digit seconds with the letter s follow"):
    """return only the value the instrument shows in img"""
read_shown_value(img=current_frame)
3h14
